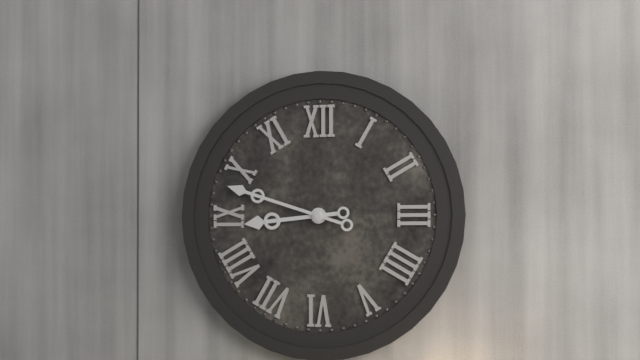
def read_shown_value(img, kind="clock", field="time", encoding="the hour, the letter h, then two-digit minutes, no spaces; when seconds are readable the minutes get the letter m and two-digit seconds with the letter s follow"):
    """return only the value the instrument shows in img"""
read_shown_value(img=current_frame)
8h48
